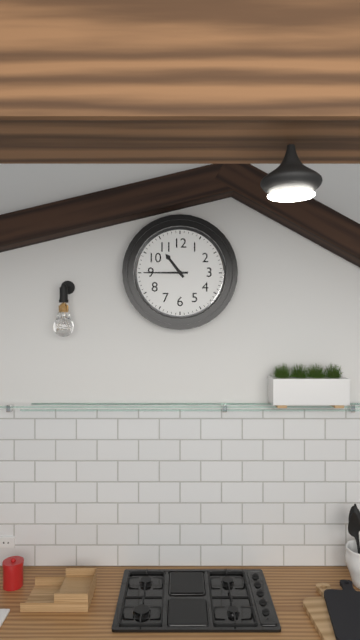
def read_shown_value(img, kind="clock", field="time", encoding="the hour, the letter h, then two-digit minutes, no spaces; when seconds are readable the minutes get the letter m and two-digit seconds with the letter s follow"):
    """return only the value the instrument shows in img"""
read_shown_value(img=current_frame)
10h45
